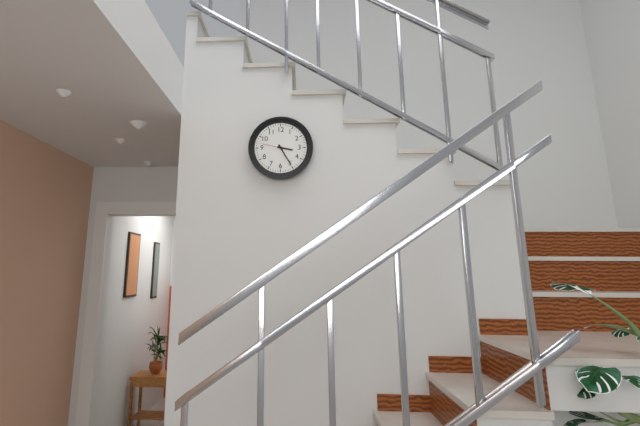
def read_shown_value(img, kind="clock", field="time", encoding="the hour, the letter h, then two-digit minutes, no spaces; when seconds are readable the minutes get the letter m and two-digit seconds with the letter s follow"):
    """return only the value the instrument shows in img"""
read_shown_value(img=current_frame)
3h25
